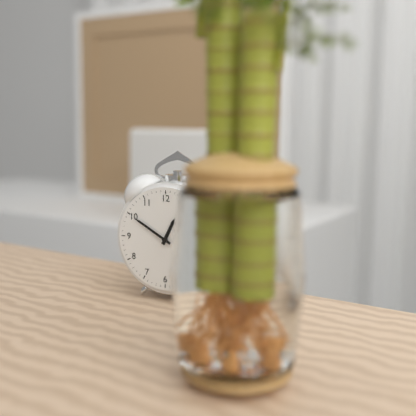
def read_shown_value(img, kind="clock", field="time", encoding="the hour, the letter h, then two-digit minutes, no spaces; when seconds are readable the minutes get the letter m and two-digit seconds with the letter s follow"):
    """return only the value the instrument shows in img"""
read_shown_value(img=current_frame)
12h50
